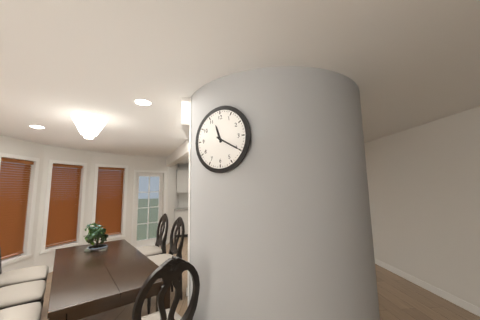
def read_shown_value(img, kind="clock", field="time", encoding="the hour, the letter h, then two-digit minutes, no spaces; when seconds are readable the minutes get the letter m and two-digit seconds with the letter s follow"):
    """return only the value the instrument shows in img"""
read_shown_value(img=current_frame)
11h20
